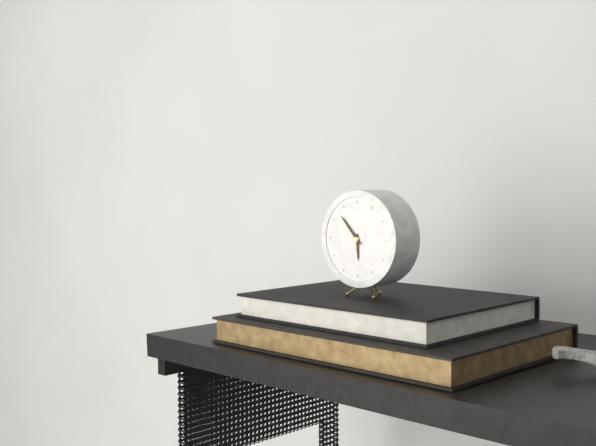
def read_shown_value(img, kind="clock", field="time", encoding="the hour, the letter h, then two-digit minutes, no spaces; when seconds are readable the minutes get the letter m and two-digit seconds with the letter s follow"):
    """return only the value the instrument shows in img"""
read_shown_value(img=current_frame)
5h53
